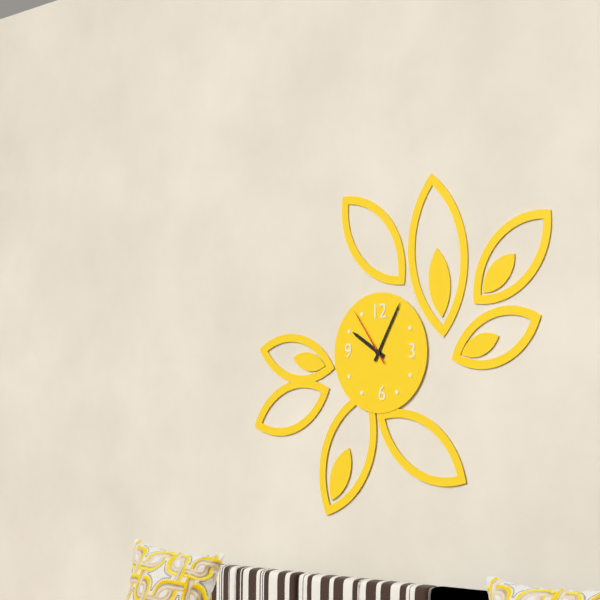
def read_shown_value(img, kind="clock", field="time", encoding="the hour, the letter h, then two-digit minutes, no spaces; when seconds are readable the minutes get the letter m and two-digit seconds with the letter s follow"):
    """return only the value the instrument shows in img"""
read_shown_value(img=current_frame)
10h05m54s
